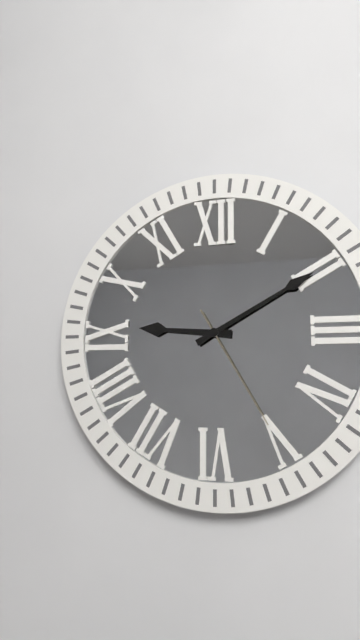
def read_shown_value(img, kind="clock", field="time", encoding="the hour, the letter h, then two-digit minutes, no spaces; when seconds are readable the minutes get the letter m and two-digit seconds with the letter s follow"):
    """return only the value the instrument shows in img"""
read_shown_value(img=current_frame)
9h10m25s
